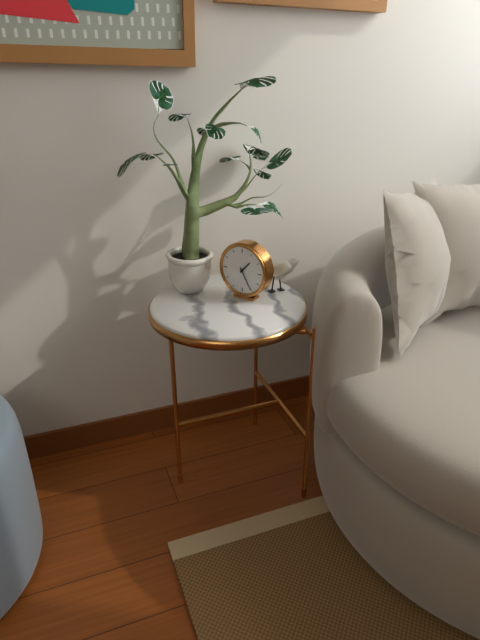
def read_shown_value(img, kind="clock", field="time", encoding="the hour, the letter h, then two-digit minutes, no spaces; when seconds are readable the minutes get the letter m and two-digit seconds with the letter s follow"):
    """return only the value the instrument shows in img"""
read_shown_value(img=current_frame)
1h25
